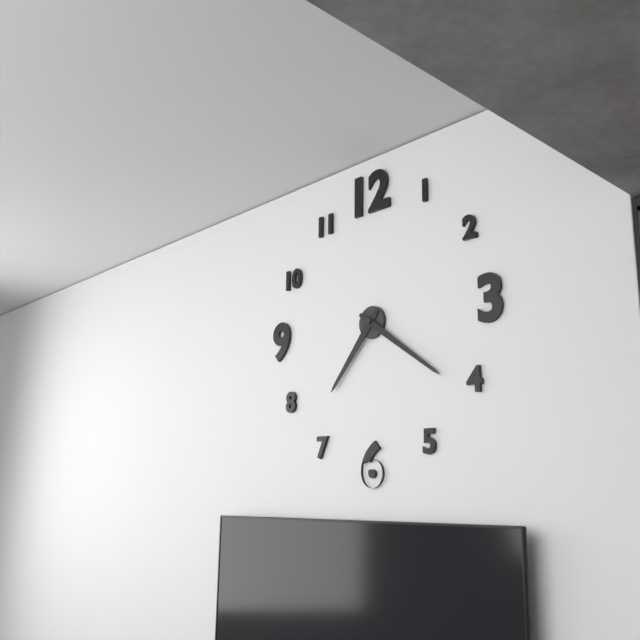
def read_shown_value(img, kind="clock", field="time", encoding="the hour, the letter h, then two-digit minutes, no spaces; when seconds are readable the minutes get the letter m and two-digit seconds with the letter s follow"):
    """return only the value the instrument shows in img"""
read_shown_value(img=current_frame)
7h21
